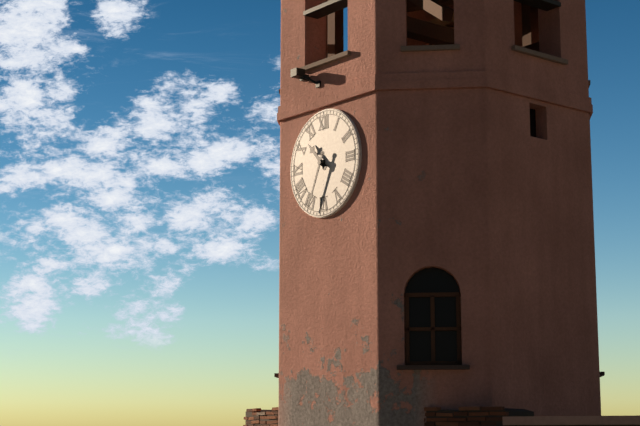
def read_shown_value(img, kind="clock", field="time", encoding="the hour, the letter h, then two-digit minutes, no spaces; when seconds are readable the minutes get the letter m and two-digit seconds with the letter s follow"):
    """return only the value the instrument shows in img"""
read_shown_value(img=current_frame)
10h34
